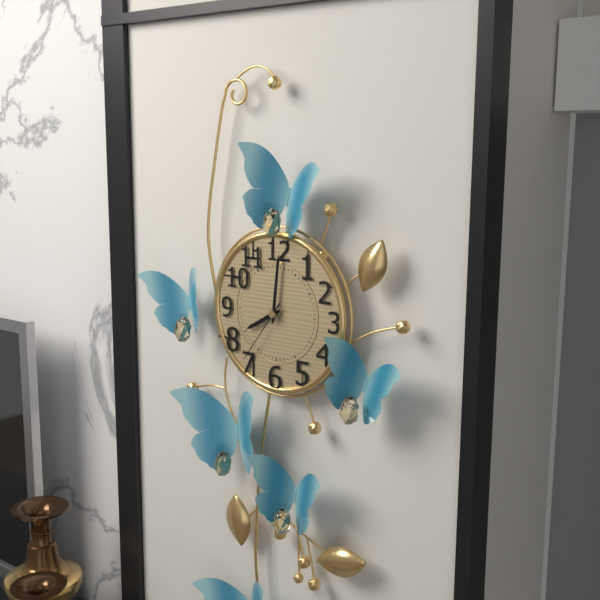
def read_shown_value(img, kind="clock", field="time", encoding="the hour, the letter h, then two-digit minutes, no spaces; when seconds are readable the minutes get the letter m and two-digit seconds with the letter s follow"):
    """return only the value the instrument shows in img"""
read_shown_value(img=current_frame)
8h01m36s
